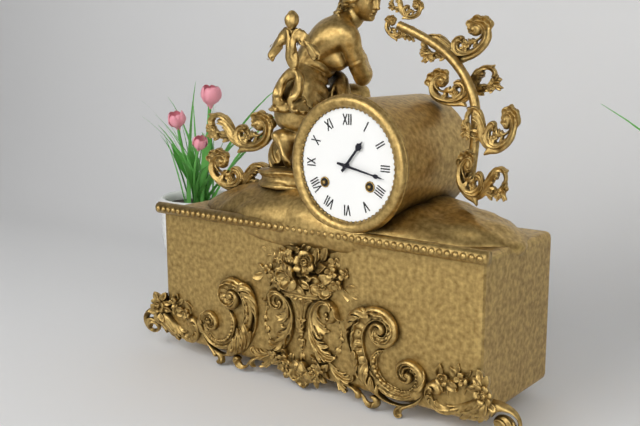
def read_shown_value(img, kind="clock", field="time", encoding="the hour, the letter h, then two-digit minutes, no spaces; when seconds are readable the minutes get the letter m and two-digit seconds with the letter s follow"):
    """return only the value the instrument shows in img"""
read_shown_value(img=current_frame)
1h17
